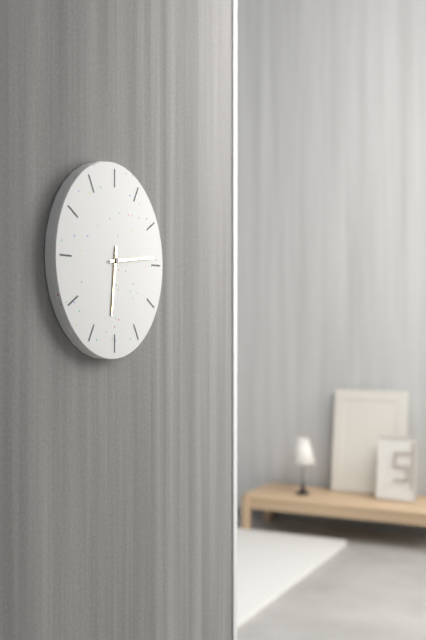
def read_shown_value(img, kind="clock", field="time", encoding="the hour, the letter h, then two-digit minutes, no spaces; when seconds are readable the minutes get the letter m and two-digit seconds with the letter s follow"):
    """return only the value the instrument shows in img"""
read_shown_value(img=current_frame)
6h14
